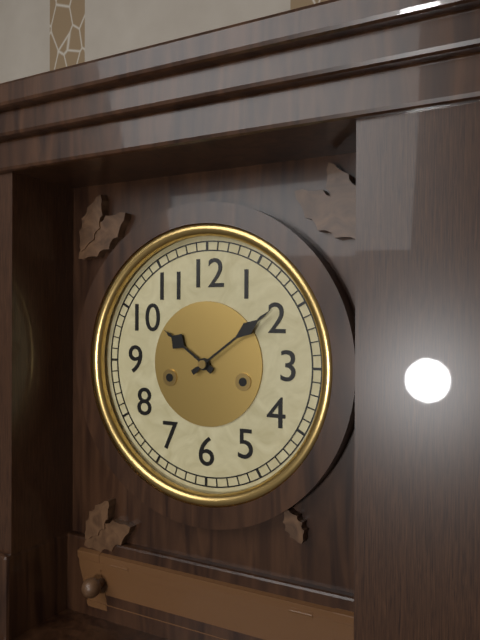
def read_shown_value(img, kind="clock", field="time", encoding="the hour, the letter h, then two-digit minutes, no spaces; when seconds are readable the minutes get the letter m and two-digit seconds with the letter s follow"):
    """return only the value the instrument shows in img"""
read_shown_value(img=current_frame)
10h09
